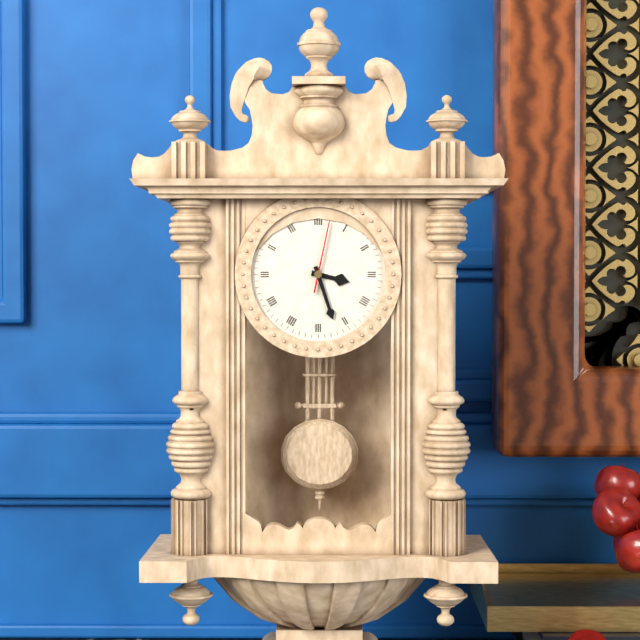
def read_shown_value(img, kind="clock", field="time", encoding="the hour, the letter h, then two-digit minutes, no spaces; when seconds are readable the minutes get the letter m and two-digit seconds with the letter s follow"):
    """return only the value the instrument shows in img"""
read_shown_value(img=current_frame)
3h27m02s
